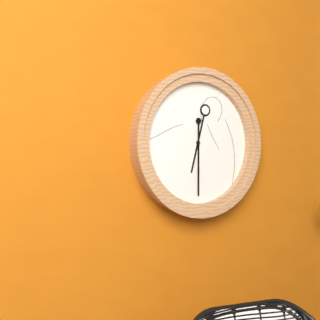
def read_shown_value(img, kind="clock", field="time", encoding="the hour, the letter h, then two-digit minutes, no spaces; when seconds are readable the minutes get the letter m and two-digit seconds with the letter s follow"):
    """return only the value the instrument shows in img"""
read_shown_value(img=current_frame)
6h30
